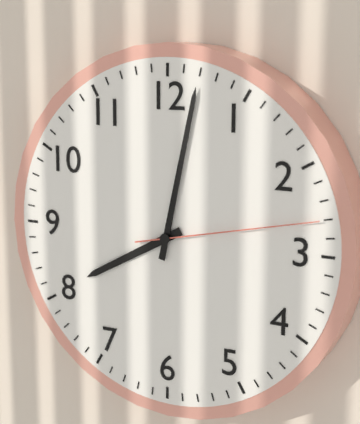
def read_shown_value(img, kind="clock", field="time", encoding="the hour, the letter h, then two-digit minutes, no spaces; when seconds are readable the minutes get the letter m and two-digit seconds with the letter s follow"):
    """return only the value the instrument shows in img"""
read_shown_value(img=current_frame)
8h02m13s
